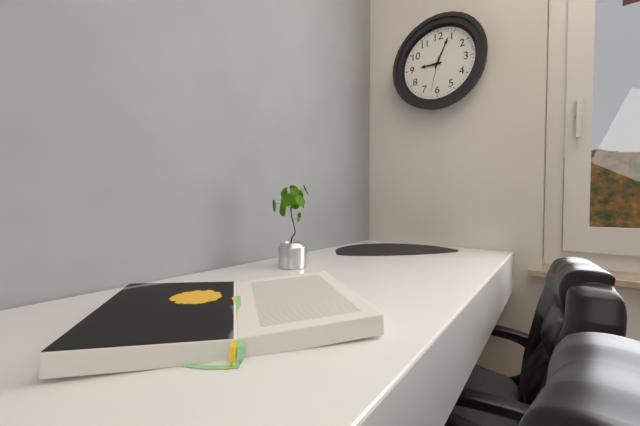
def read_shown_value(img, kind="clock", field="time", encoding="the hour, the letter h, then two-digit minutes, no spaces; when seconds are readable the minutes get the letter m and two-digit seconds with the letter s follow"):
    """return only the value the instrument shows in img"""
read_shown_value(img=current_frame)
9h04
